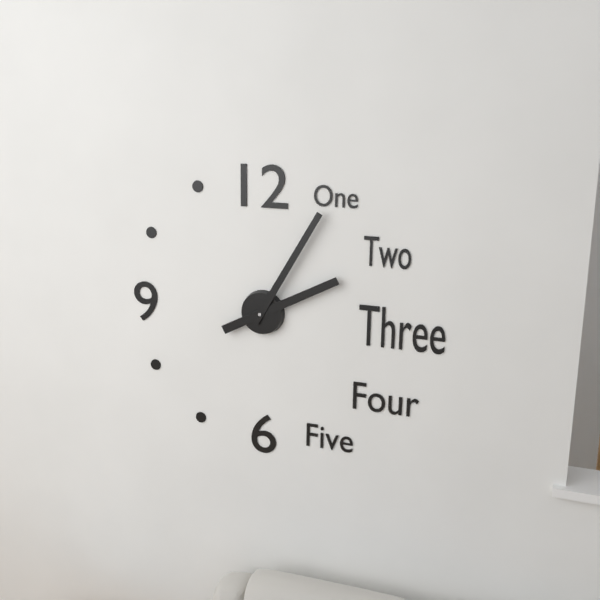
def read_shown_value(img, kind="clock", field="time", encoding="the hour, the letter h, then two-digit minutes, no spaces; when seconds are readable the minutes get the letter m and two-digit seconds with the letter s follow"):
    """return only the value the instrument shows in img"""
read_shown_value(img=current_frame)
2h05
